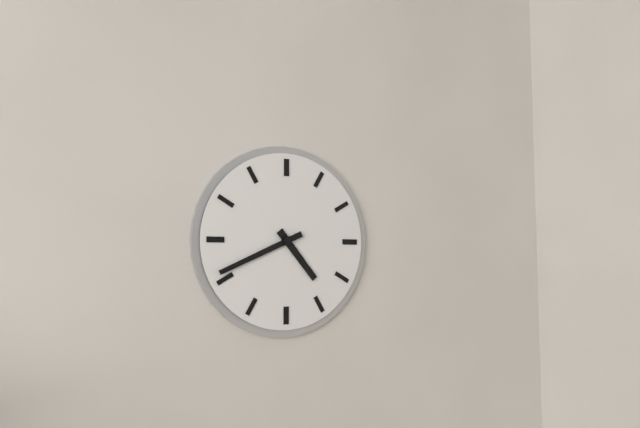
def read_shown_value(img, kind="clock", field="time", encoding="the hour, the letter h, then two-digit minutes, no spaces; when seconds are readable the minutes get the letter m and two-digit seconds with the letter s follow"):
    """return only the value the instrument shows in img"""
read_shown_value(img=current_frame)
4h41
